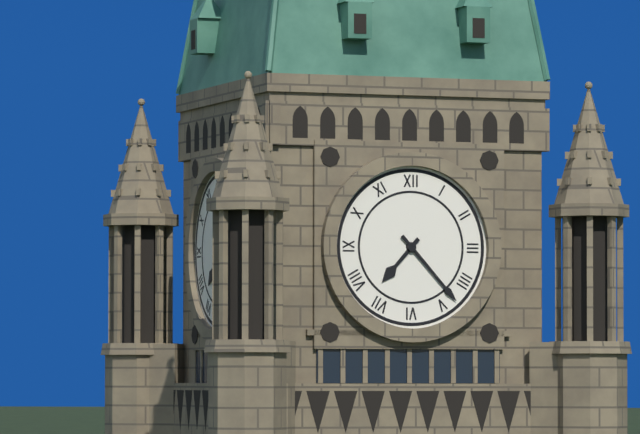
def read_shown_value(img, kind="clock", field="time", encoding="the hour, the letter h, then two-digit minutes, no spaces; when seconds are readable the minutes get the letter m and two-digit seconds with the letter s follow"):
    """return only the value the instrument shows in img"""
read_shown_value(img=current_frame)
7h23
